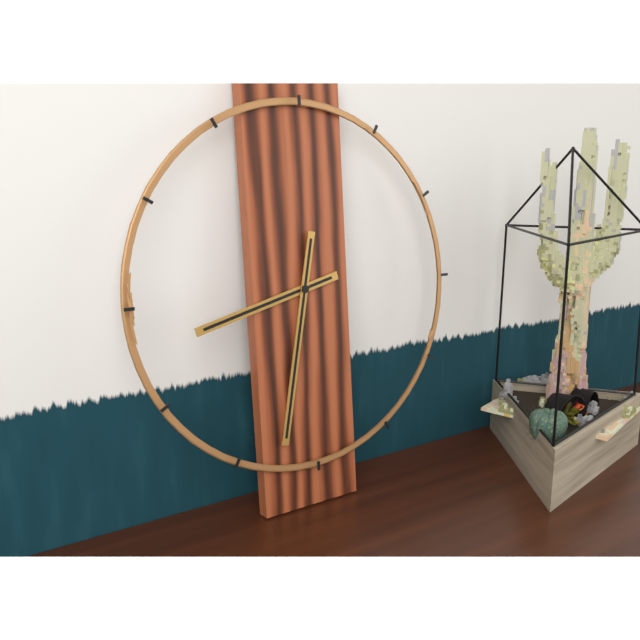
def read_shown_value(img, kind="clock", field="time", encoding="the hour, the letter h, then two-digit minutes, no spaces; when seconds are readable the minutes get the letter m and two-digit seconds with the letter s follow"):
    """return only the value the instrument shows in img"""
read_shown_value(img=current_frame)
8h32
